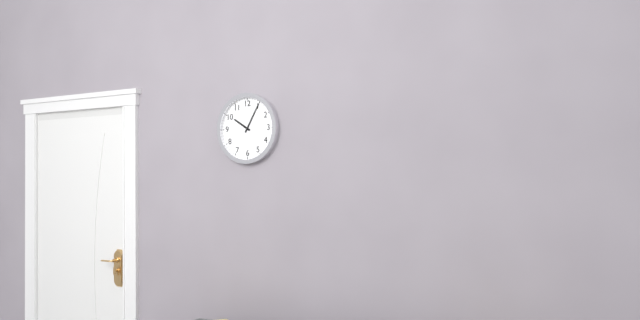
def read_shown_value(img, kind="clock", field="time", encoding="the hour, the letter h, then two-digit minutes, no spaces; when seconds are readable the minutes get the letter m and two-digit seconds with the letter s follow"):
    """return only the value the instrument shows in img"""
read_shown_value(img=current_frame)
10h05
